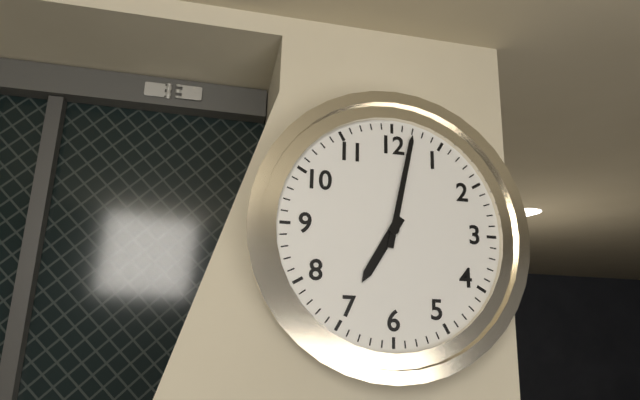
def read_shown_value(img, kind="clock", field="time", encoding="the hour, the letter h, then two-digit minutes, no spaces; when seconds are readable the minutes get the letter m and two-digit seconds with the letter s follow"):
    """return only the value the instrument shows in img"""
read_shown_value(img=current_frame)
7h02
